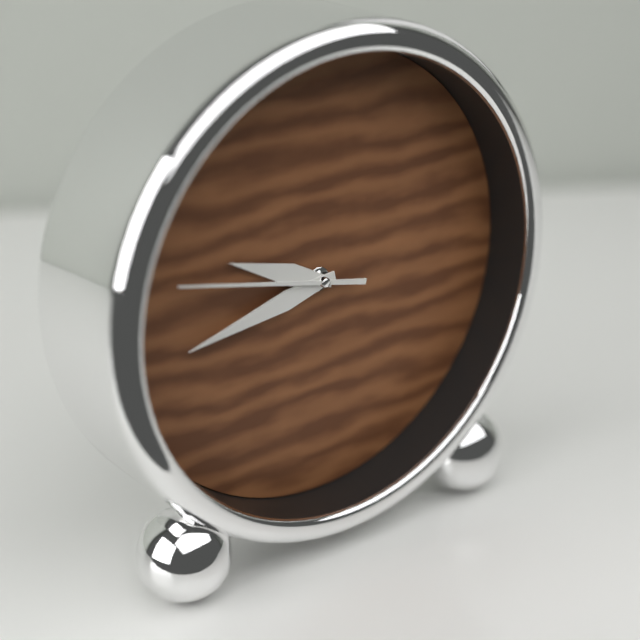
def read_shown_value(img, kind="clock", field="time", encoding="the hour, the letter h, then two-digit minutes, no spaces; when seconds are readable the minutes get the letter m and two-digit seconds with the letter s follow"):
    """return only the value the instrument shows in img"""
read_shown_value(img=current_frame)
9h43m47s
